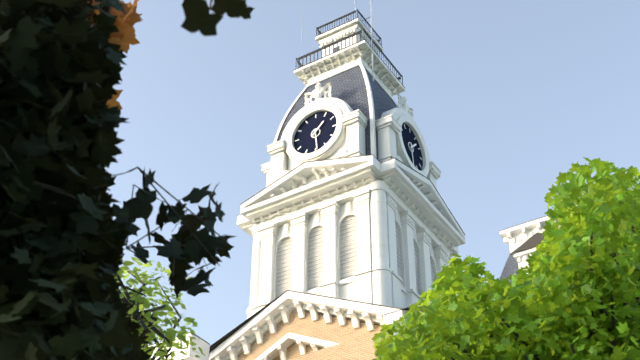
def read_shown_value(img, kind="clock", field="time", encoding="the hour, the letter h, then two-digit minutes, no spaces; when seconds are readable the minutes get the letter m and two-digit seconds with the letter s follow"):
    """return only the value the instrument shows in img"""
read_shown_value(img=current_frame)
1h29
